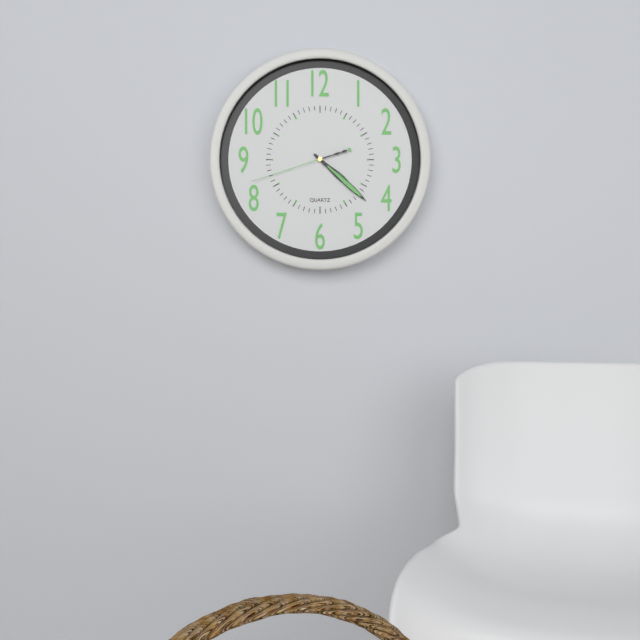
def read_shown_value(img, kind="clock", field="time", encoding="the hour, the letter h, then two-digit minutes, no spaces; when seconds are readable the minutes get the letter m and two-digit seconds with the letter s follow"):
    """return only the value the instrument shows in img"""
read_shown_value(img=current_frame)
4h22m42s
